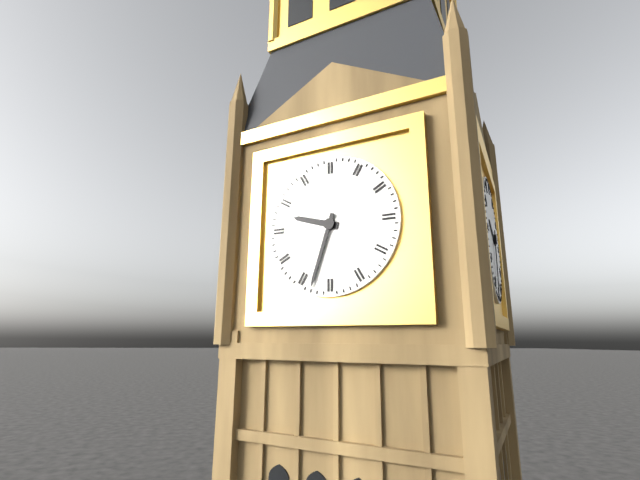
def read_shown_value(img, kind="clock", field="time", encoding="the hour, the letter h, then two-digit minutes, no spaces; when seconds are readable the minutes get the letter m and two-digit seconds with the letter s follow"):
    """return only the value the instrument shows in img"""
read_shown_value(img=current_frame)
9h33
